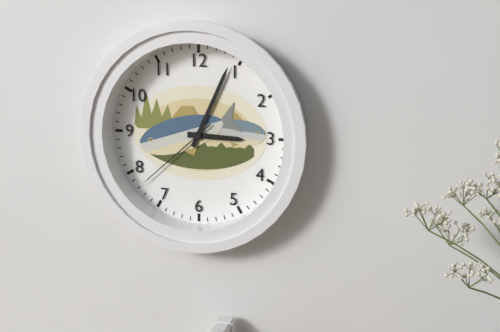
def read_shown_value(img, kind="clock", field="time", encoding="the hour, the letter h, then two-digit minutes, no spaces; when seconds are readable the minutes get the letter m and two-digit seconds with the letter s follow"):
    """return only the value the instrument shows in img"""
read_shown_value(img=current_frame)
3h04m38s
